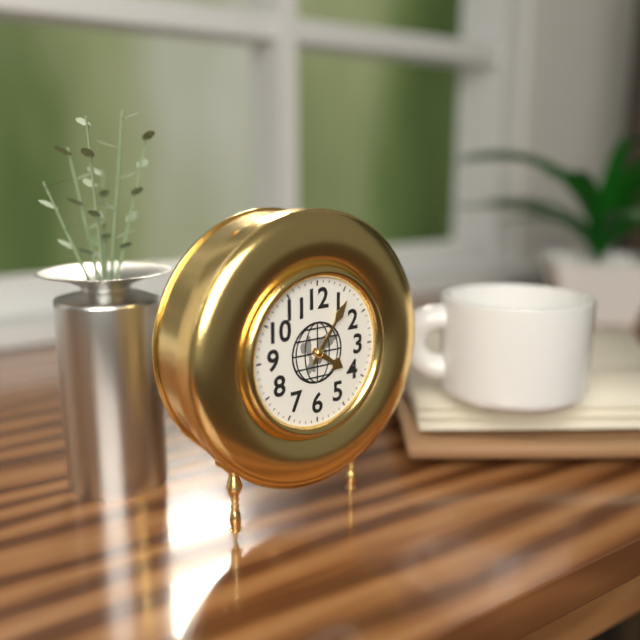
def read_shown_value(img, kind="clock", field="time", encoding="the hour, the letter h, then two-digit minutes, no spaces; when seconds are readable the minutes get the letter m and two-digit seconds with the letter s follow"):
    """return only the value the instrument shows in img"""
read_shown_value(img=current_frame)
4h06
